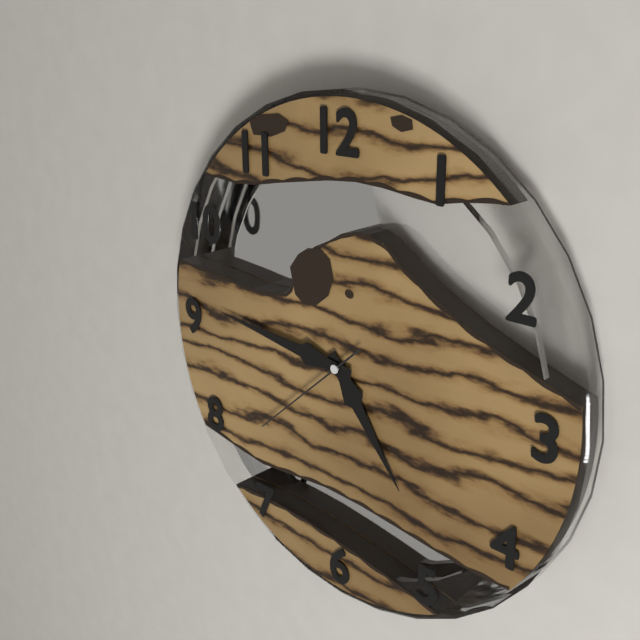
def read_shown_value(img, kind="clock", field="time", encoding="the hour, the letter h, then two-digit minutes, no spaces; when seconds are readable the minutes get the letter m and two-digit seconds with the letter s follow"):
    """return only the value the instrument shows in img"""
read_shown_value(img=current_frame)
4h46m38s
